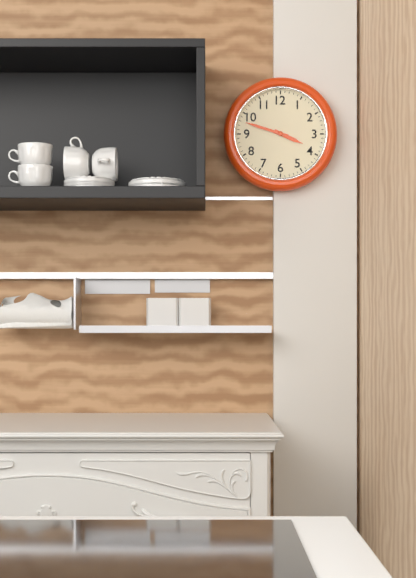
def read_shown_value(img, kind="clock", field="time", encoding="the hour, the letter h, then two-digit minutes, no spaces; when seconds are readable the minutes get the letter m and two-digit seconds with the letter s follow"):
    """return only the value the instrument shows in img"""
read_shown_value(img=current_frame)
3h48
